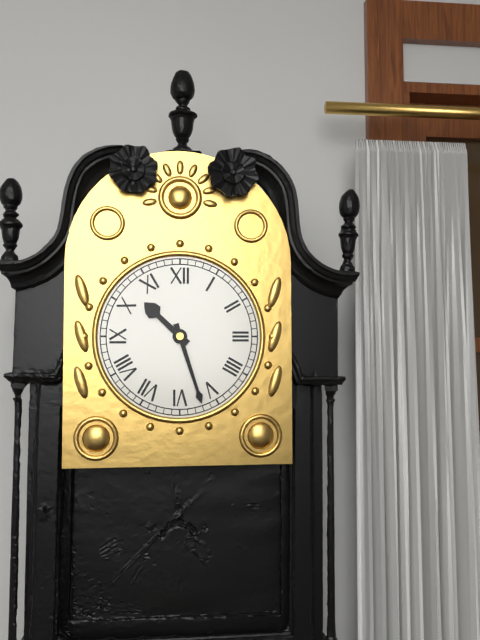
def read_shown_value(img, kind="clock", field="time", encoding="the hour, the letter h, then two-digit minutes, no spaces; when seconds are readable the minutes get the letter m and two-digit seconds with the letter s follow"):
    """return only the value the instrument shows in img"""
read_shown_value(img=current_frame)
10h27
